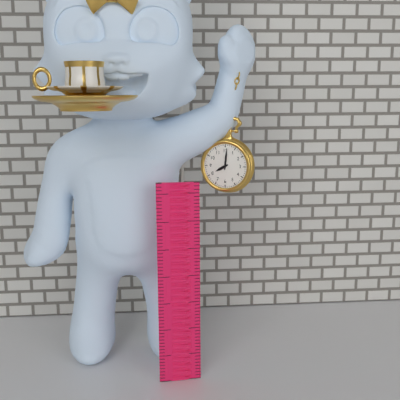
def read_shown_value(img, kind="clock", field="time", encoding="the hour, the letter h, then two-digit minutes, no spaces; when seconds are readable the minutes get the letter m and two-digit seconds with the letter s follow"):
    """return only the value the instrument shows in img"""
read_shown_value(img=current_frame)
8h01
